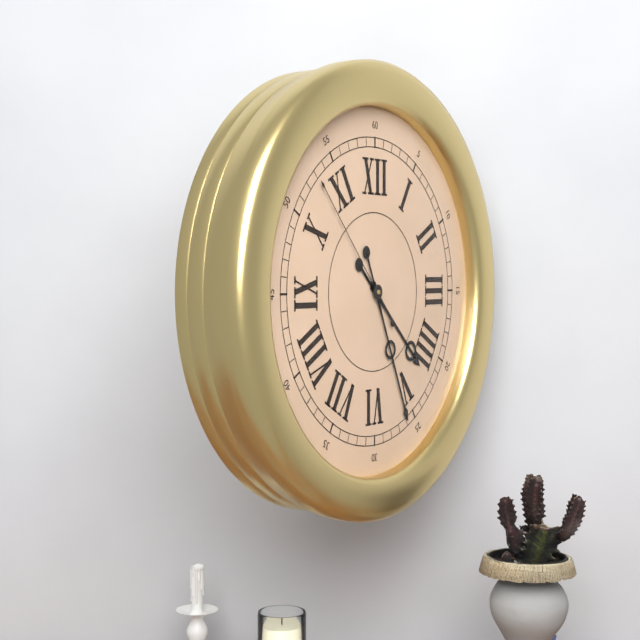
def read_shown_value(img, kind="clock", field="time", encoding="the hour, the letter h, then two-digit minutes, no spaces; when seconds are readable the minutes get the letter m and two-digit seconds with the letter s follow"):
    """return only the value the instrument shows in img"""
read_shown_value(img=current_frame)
4h26m53s
